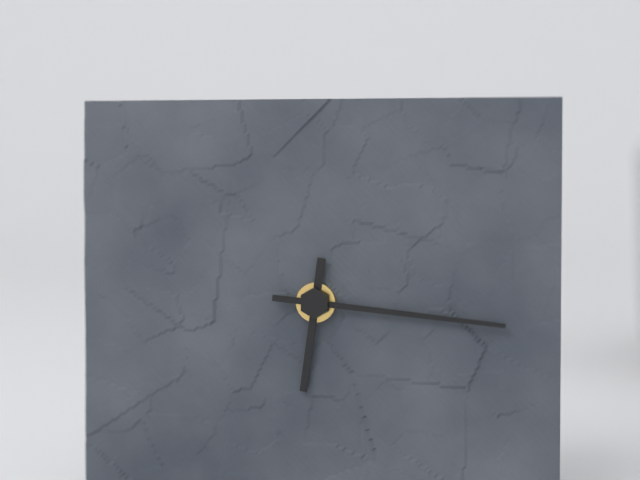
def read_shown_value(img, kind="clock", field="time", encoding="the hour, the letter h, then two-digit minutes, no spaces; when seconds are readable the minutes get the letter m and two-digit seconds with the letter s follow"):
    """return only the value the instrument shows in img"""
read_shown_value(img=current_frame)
6h16
